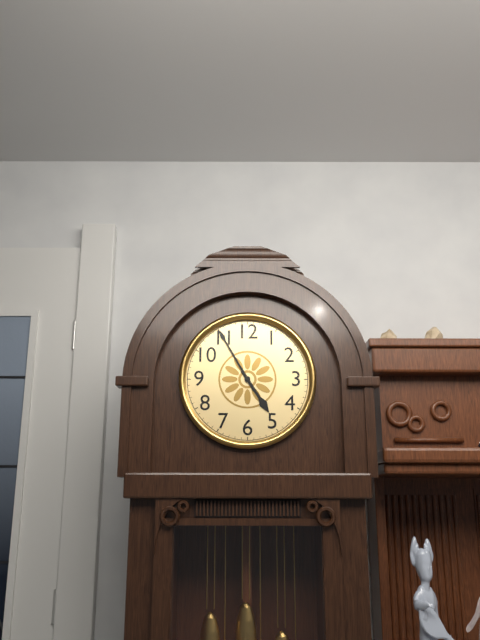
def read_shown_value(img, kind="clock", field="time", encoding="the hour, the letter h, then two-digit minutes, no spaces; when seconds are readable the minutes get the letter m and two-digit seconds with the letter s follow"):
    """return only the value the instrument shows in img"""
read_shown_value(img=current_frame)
4h55
